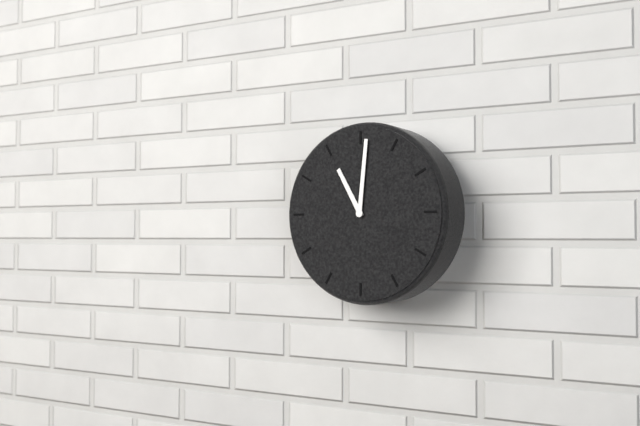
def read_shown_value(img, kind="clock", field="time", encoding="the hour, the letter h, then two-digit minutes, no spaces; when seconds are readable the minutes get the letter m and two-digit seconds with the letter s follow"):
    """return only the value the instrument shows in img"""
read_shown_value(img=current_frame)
11h01
